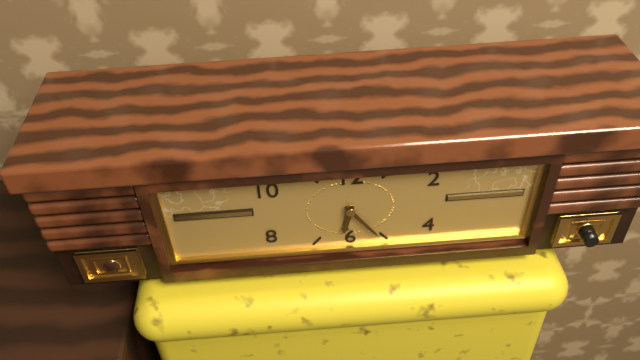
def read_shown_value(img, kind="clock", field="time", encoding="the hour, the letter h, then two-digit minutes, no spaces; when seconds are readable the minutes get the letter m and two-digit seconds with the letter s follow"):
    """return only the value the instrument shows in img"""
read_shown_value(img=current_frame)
6h24
